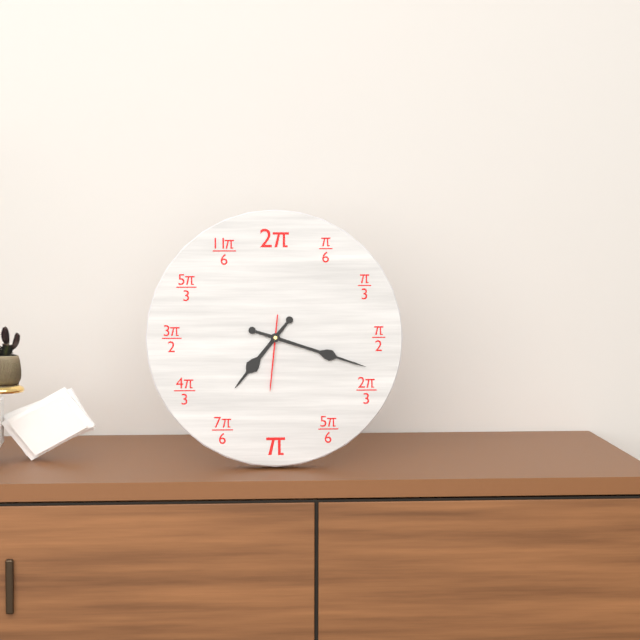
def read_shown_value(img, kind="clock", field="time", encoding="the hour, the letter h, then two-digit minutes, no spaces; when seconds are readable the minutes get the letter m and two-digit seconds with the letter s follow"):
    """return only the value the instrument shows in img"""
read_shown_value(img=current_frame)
7h18m31s
